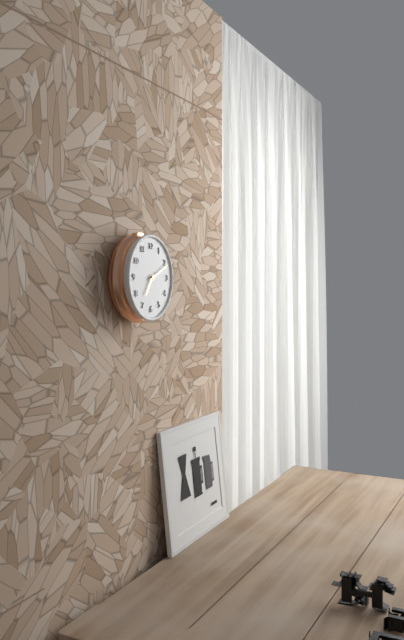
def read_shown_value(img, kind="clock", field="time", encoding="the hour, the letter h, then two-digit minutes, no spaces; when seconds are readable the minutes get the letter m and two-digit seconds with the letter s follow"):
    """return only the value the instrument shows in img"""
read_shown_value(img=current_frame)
7h11
